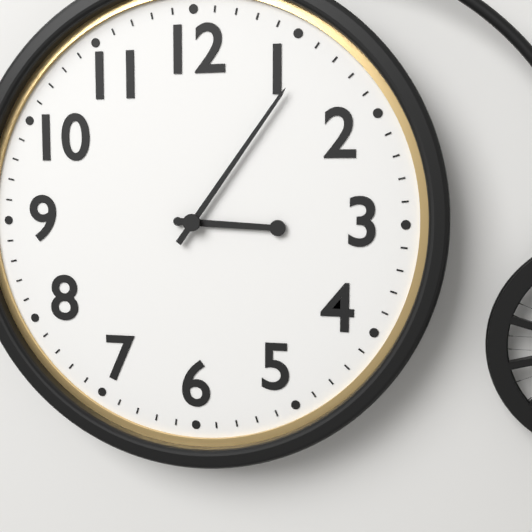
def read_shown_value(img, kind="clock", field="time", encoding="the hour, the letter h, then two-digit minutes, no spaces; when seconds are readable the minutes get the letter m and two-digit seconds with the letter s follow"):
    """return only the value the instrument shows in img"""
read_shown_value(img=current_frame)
3h06
